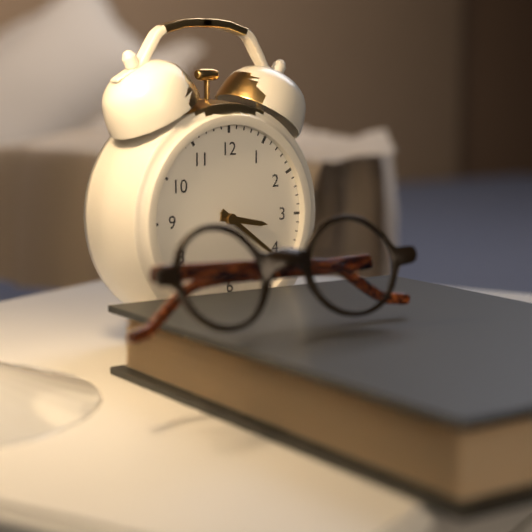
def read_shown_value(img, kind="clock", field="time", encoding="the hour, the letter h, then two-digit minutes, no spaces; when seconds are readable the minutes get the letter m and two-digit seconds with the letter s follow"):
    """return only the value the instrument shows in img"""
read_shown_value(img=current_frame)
3h21
